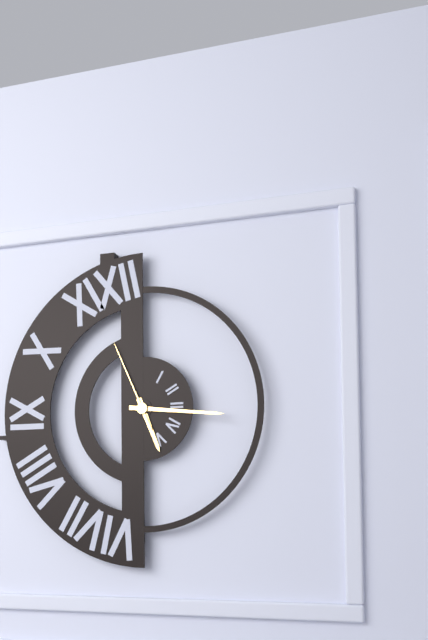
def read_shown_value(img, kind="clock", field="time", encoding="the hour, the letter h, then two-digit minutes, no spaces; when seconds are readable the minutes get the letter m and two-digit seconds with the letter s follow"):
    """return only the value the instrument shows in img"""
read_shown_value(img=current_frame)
5h16m56s
